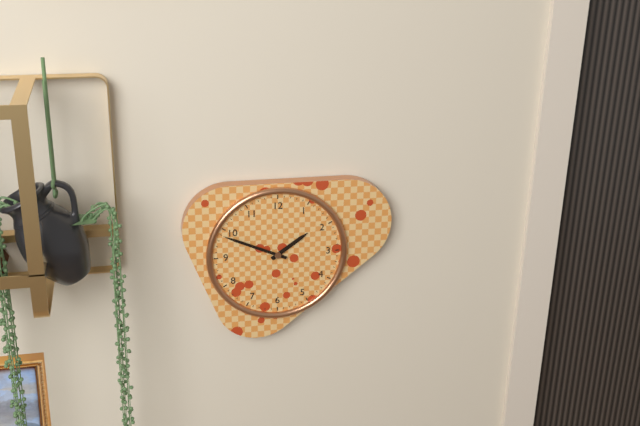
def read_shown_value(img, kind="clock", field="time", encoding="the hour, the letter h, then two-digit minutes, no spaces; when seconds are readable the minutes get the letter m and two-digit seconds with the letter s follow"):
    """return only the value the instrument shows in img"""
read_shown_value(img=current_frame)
1h49
